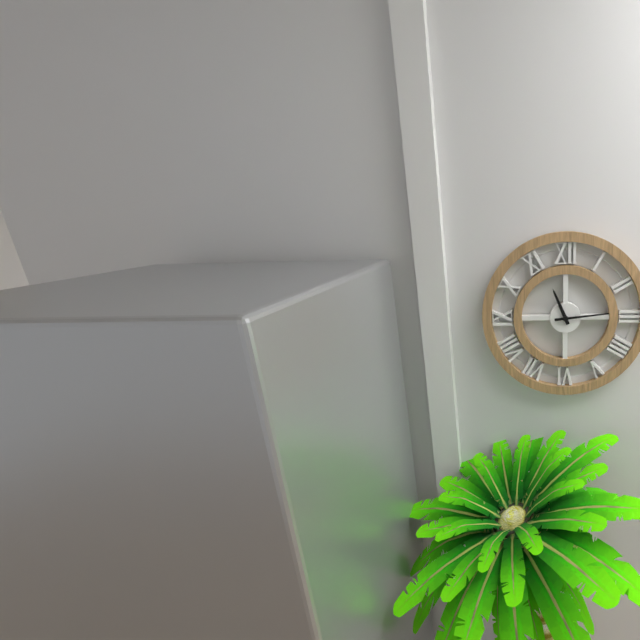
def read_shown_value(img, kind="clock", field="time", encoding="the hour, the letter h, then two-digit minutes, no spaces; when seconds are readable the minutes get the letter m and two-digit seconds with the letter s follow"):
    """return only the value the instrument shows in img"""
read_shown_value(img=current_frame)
11h14
